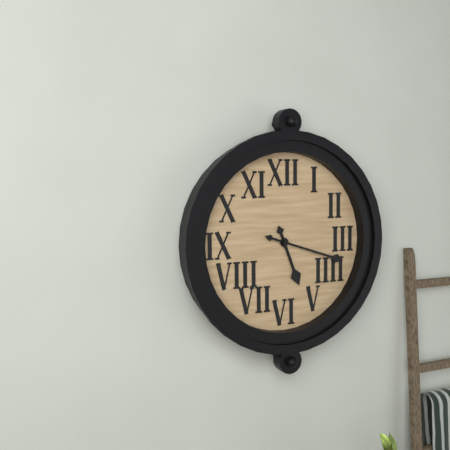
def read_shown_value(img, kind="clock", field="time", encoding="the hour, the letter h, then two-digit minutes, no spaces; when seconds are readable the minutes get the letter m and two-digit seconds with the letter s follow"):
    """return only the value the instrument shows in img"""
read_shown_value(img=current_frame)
5h18
